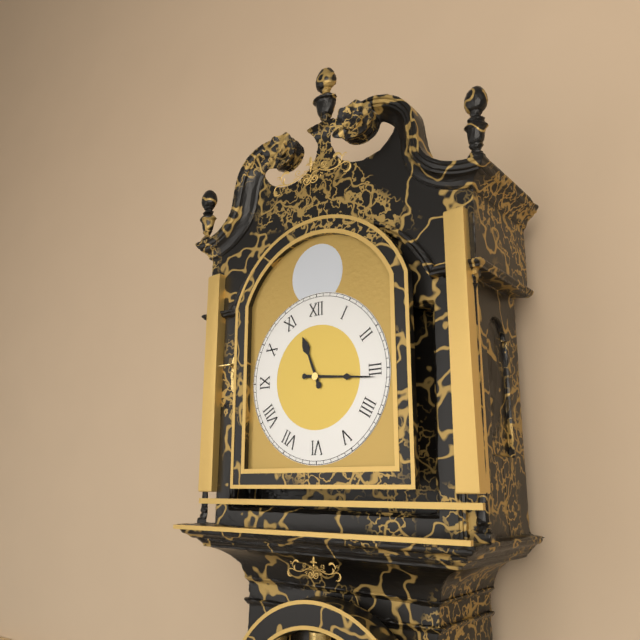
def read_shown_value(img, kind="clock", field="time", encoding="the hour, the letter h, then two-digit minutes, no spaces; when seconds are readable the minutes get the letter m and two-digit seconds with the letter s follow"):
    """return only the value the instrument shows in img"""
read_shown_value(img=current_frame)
11h16
